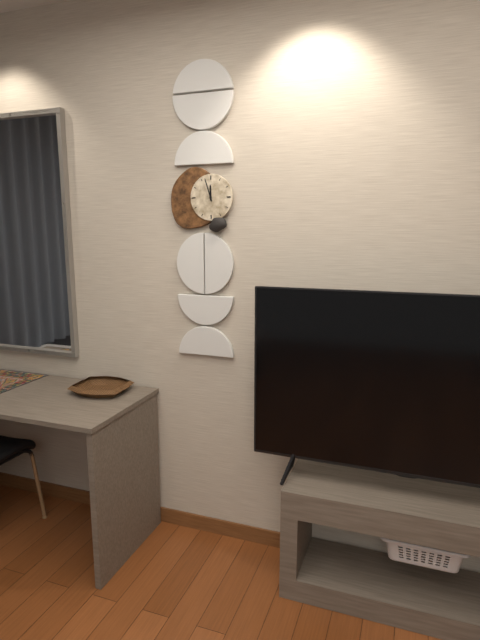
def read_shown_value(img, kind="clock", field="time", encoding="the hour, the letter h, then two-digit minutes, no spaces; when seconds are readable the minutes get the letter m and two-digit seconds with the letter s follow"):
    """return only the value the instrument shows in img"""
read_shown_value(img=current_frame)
11h57
